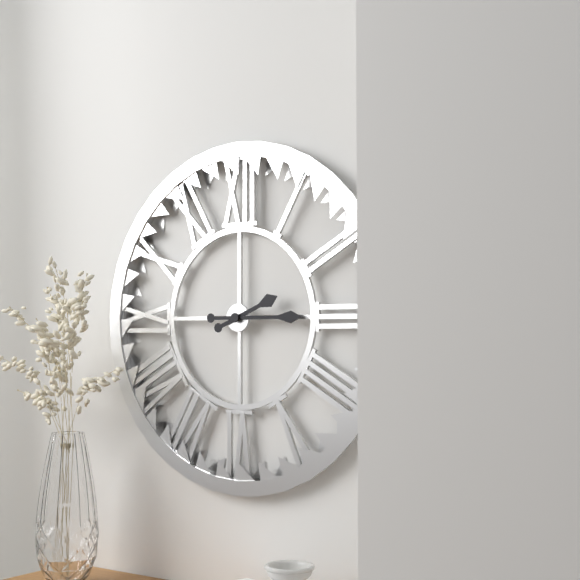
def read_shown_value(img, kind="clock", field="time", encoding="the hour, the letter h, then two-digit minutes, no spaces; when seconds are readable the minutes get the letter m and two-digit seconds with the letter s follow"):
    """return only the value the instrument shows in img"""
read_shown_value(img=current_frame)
2h15
